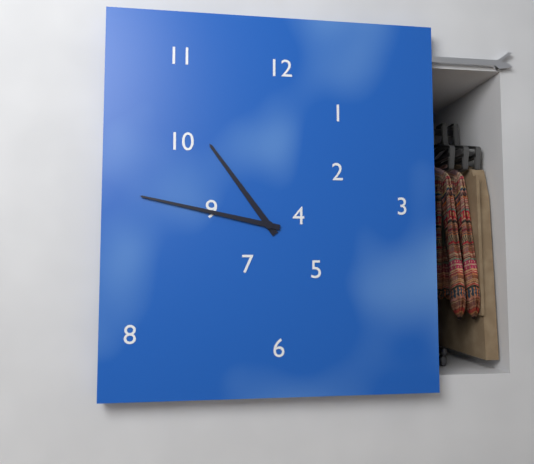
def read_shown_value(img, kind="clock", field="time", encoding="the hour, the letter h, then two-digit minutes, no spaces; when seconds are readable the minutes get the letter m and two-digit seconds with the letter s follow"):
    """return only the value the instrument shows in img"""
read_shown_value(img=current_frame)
10h47
